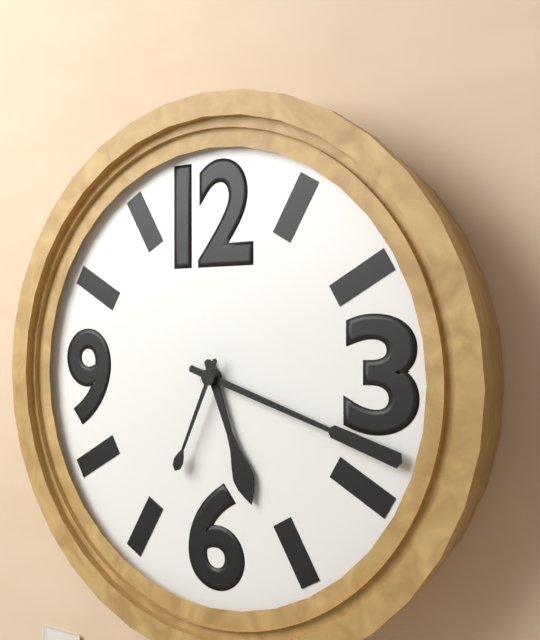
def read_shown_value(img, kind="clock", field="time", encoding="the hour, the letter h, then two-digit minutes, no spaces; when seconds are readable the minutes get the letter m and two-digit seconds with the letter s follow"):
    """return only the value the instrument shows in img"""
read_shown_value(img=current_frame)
5h18m34s
